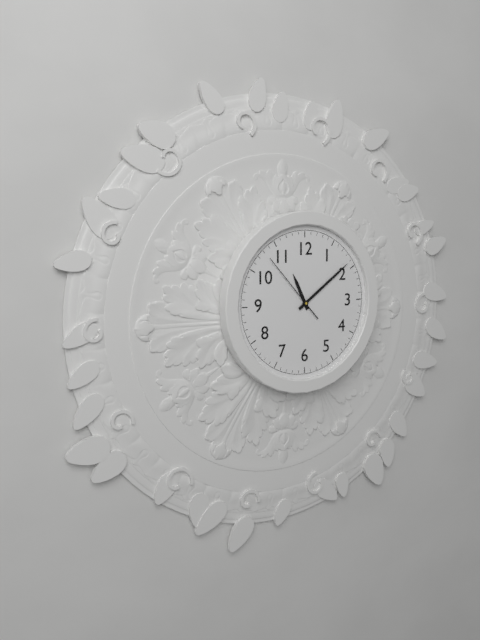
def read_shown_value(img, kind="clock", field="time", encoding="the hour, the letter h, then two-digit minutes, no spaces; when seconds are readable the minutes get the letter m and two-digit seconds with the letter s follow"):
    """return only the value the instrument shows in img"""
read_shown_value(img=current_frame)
11h09m53s
